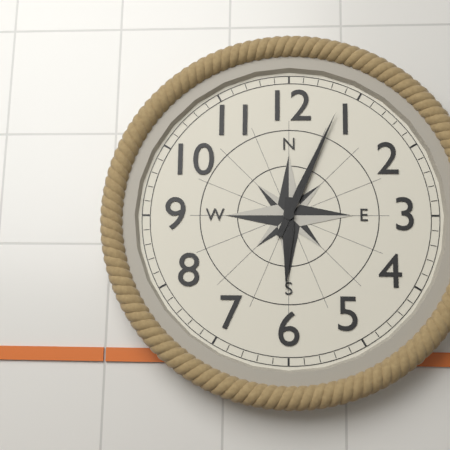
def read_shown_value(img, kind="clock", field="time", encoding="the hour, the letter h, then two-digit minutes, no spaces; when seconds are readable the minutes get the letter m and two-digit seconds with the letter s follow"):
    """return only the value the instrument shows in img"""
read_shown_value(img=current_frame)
6h04
